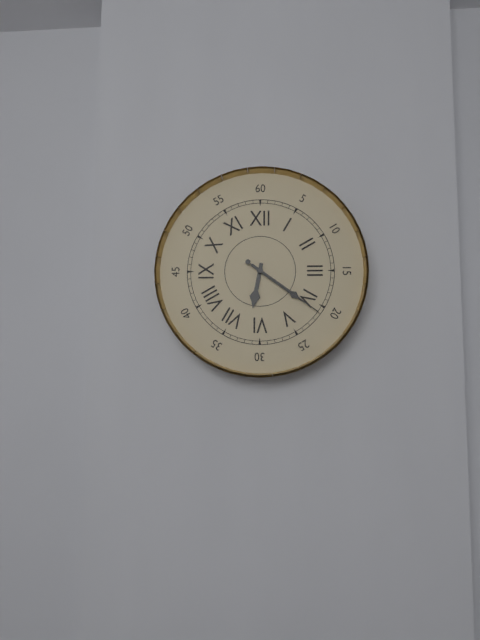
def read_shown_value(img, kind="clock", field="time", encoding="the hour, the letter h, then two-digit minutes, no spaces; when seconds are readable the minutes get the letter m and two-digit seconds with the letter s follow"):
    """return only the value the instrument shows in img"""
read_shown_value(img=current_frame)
6h21m21s
